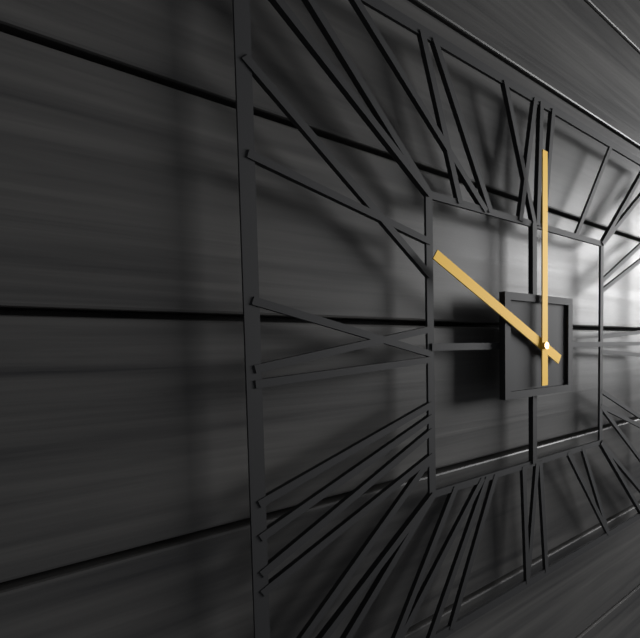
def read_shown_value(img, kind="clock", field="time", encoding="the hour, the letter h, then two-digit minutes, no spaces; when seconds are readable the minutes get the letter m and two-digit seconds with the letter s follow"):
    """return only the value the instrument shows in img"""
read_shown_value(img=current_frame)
10h00
